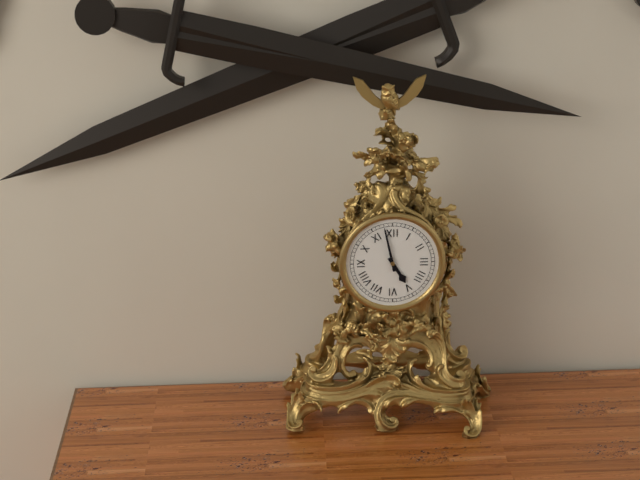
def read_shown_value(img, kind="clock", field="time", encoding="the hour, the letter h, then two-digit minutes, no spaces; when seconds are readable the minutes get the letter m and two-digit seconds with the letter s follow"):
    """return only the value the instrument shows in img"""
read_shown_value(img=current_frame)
4h58
